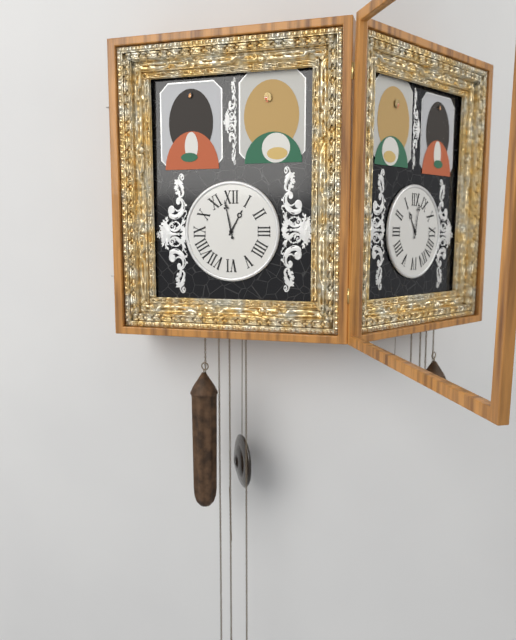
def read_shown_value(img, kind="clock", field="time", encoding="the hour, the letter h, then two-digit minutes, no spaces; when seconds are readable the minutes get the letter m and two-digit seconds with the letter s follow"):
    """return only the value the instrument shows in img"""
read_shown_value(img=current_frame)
12h58
